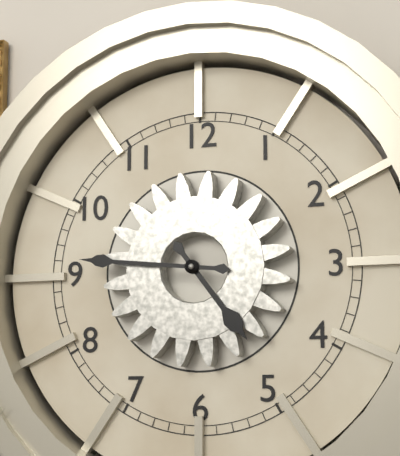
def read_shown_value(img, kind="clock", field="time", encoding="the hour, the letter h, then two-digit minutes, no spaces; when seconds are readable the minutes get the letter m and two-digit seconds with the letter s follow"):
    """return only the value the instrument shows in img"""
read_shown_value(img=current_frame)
4h46
